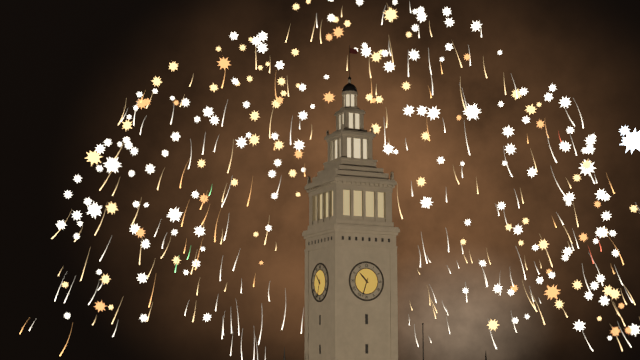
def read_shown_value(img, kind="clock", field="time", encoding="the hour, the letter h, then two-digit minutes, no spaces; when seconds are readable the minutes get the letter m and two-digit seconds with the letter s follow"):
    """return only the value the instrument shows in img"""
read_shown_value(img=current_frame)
10h33
